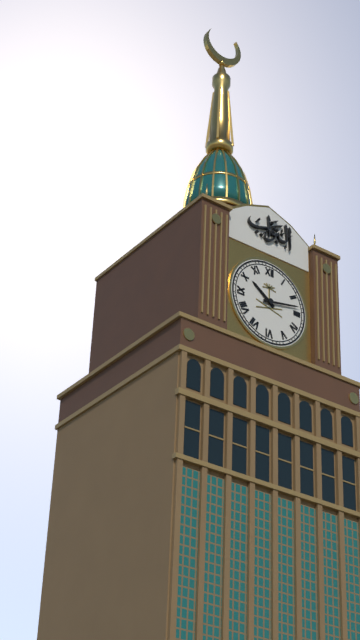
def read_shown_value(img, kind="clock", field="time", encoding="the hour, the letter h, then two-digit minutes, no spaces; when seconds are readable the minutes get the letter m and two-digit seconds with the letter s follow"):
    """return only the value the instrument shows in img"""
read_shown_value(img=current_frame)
10h13
